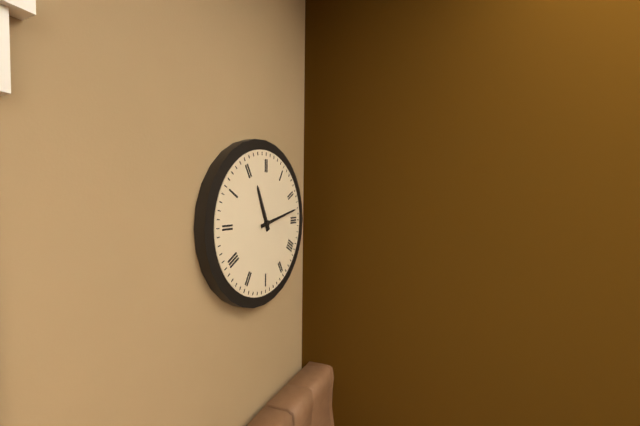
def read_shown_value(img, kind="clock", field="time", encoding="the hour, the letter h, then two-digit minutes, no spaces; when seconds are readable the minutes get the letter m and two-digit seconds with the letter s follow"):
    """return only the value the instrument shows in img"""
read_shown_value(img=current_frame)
11h13
